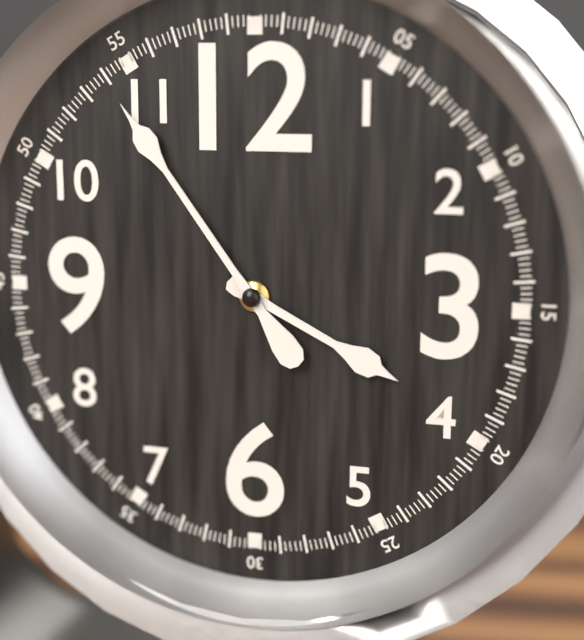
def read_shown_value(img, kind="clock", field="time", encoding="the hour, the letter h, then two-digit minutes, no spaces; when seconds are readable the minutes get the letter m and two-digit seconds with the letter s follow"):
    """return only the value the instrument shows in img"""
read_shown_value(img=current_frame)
3h54
